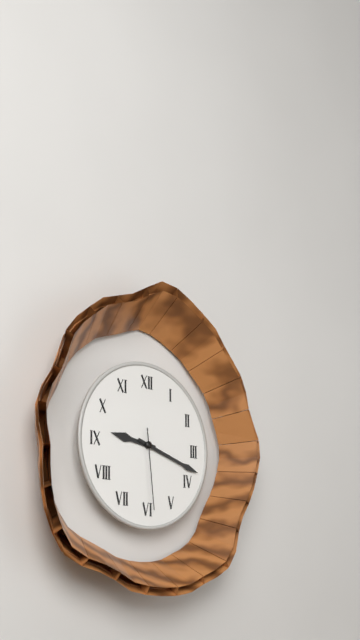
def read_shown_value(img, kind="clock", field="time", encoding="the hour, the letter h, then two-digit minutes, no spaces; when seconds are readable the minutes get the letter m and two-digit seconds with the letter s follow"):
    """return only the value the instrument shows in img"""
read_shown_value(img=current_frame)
9h18m29s
